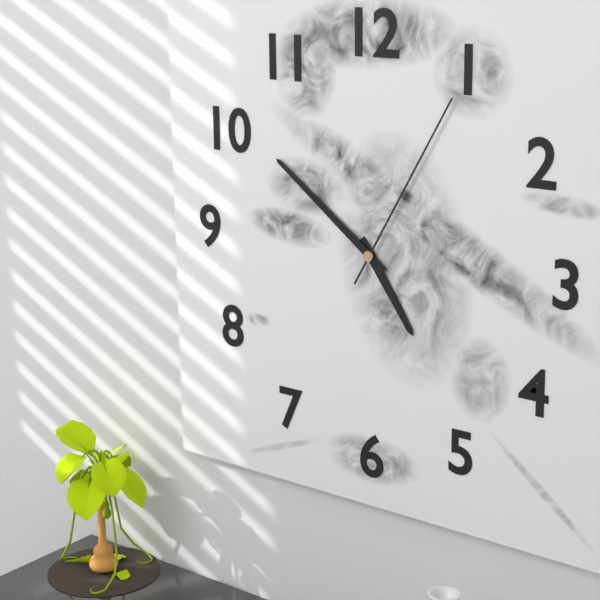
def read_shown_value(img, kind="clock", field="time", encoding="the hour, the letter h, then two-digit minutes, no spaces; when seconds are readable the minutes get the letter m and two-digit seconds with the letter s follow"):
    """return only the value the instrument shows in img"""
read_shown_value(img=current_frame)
4h51m05s
